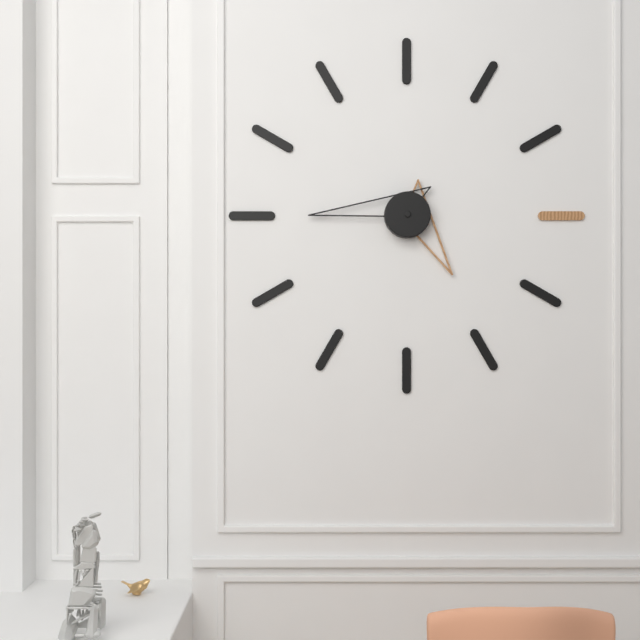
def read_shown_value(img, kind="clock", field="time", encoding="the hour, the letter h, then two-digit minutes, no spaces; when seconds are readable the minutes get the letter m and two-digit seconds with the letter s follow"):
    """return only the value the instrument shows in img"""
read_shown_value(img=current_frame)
4h45
